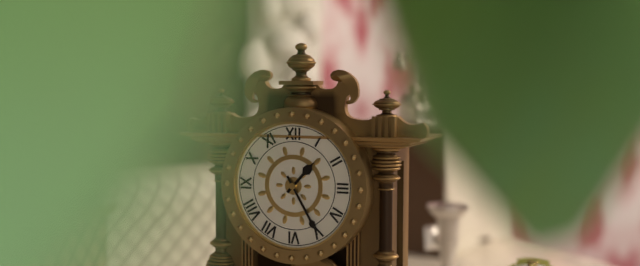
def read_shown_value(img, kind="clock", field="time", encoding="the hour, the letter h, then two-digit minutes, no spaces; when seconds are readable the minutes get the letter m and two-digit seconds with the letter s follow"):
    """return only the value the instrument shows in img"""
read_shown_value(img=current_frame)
1h25
